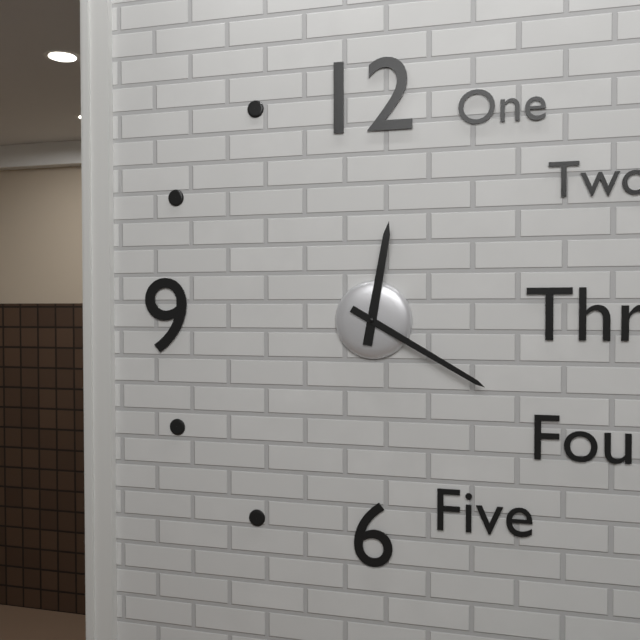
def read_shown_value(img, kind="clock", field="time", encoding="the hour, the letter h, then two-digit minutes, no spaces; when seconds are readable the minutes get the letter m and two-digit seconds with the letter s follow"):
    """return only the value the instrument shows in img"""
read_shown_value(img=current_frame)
12h20
